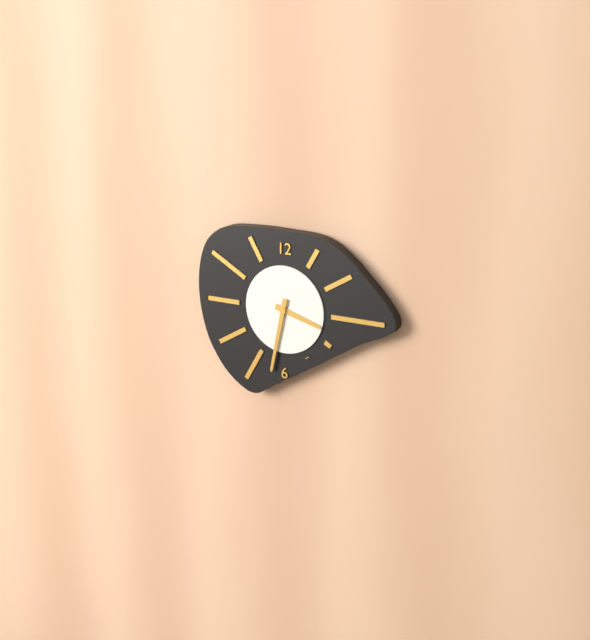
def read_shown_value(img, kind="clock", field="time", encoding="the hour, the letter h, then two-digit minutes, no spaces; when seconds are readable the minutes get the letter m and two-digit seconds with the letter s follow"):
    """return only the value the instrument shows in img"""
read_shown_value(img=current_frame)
3h32
